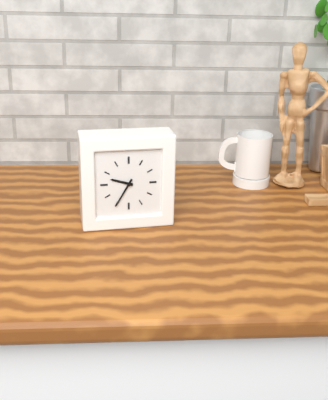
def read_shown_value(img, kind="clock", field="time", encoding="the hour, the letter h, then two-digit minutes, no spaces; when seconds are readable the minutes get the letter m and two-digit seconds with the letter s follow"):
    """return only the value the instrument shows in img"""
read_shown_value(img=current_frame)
9h35
